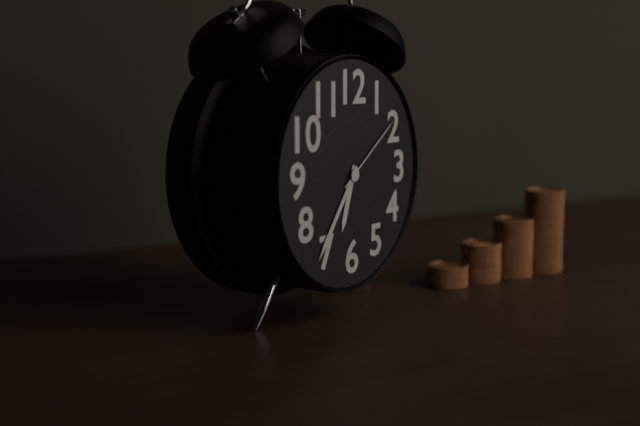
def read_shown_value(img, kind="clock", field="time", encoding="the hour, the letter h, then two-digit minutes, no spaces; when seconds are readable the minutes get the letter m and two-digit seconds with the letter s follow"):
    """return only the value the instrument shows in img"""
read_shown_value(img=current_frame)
6h36m09s
